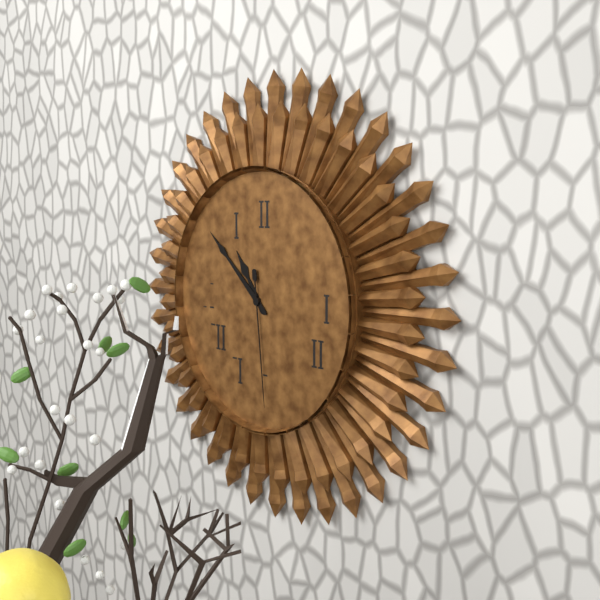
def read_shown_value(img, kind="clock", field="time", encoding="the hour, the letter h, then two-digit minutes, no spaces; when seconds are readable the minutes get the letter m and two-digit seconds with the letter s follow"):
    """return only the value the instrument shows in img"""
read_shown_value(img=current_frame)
10h52m29s
